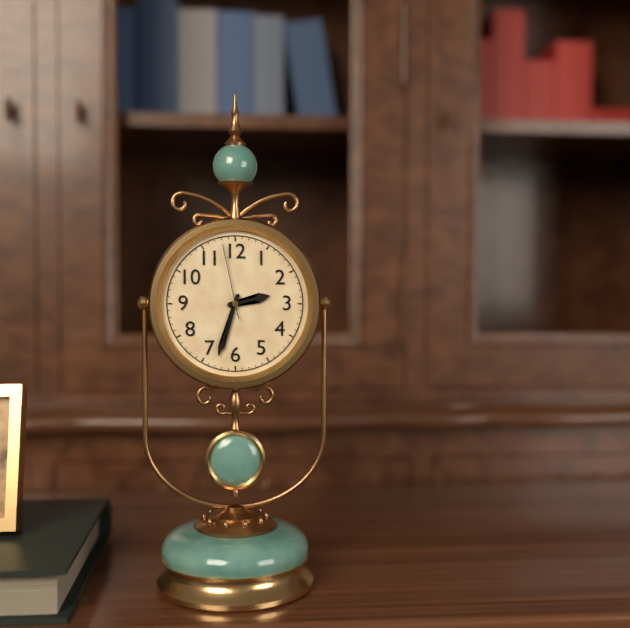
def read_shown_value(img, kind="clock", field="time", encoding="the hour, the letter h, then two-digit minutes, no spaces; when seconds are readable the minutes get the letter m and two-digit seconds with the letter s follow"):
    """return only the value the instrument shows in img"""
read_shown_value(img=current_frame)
2h33m58s
